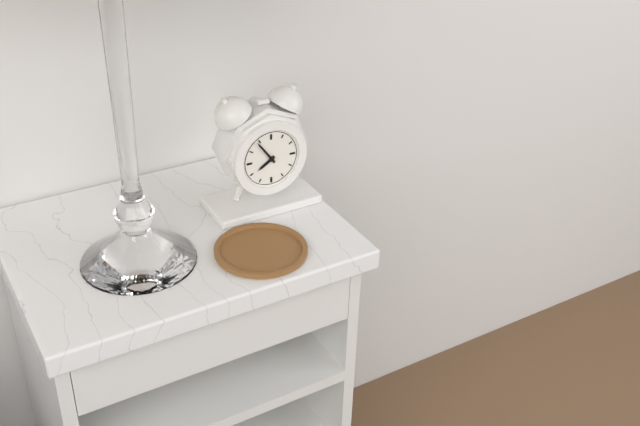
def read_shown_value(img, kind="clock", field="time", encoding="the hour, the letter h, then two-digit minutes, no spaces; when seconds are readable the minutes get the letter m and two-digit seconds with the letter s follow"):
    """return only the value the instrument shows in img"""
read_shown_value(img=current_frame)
7h54
